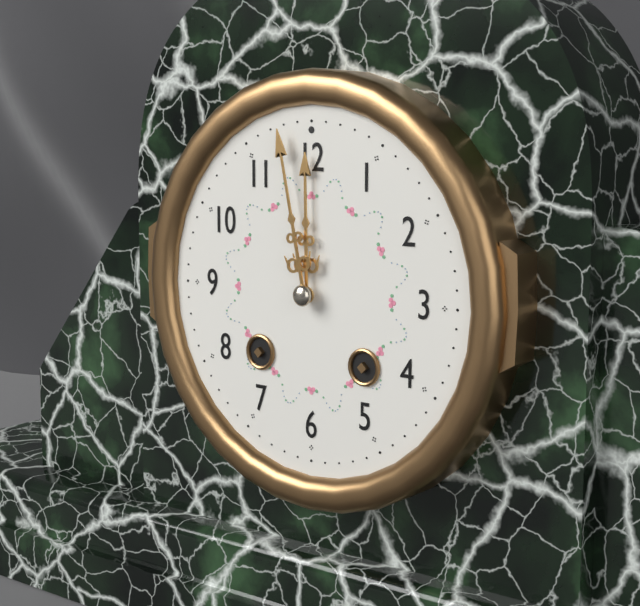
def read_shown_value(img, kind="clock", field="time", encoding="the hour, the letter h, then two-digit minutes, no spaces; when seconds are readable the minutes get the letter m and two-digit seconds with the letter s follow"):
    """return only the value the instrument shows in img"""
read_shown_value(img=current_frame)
11h58
